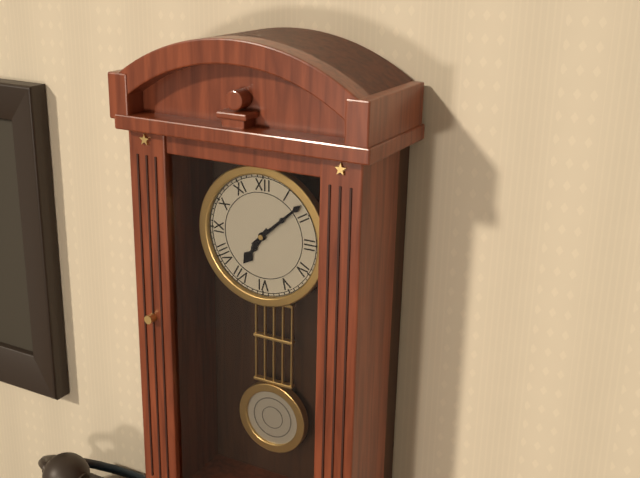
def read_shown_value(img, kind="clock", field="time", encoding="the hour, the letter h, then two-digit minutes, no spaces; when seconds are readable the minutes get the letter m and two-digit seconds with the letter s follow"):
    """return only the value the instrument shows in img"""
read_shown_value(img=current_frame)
7h08
